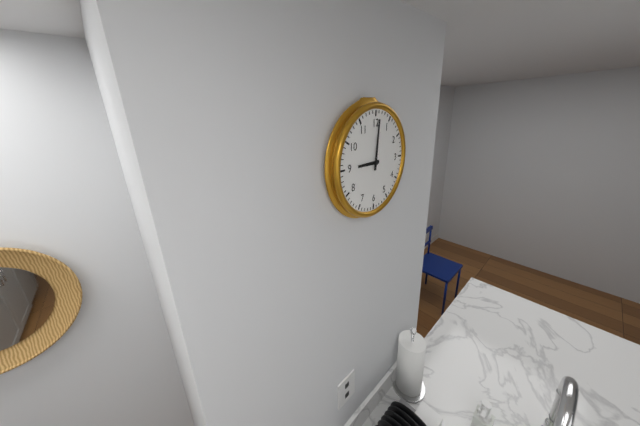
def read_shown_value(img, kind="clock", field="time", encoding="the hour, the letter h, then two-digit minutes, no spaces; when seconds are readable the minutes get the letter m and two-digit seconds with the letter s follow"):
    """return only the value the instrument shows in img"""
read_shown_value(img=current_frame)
9h01
